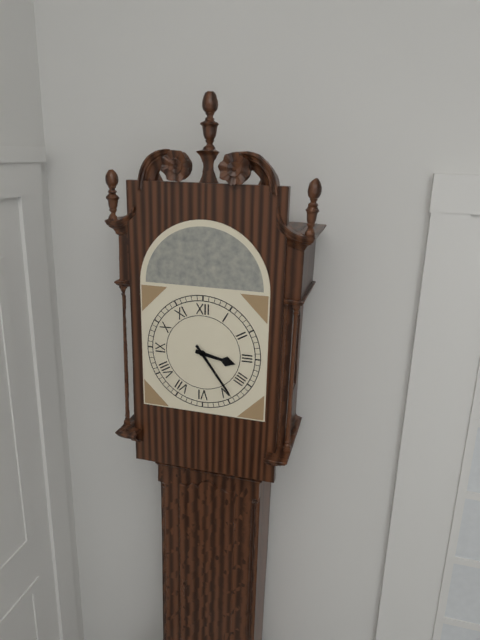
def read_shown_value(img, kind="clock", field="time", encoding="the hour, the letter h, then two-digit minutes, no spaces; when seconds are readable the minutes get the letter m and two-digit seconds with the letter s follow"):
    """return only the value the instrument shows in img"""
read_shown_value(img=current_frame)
3h24
